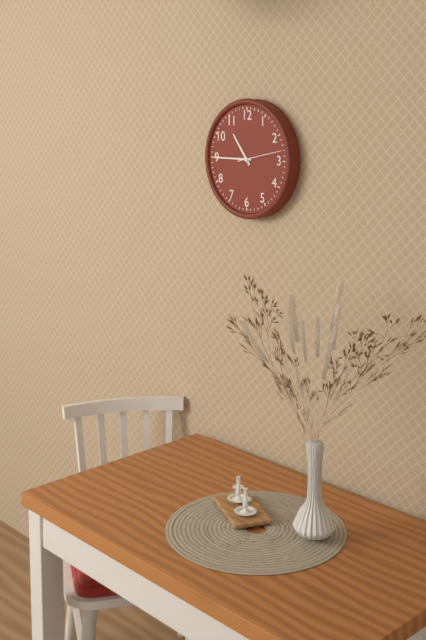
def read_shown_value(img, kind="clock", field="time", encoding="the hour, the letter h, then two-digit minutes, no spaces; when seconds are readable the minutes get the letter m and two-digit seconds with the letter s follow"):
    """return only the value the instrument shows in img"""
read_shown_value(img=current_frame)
10h45
